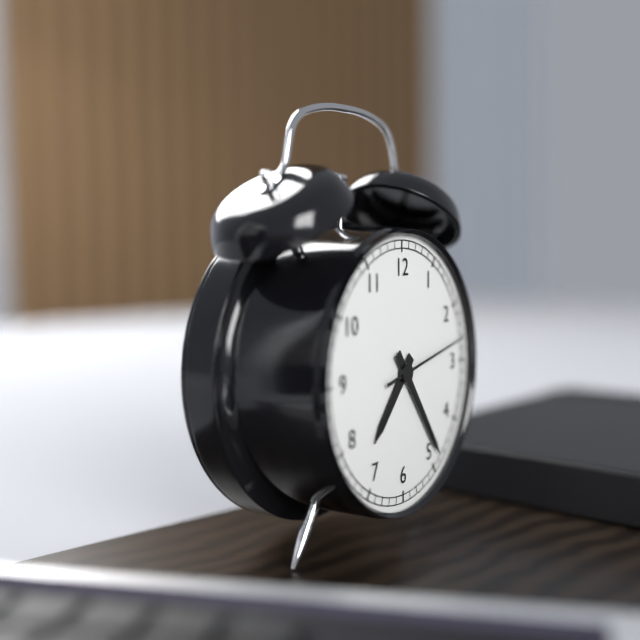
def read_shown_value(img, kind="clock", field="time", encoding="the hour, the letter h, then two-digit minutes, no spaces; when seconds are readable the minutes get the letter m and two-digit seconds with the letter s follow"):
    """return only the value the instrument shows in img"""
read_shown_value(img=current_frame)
7h24m13s
